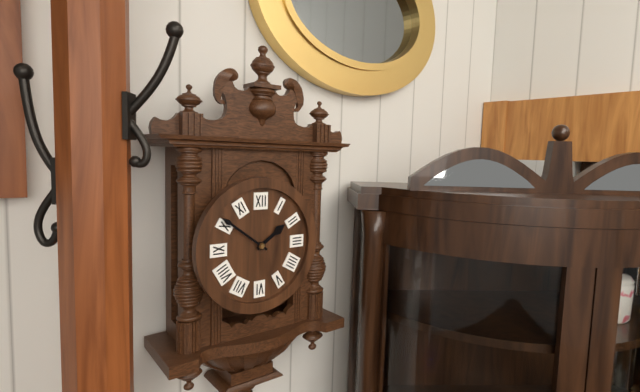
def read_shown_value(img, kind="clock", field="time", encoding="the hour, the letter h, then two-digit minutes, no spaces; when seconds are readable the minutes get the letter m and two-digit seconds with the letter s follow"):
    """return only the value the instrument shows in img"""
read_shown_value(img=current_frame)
1h51
